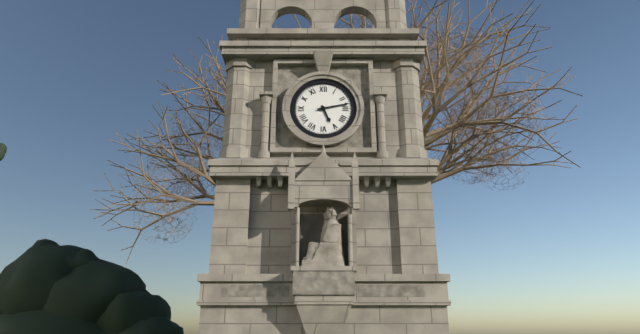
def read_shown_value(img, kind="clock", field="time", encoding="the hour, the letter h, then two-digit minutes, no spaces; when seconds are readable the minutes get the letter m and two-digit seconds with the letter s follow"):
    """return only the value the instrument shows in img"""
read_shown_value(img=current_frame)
5h13
